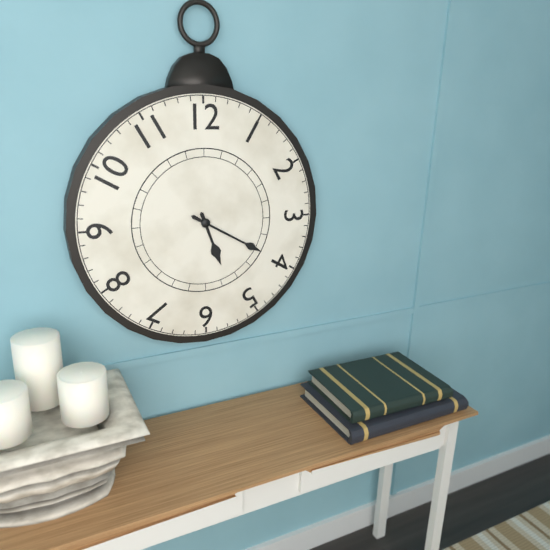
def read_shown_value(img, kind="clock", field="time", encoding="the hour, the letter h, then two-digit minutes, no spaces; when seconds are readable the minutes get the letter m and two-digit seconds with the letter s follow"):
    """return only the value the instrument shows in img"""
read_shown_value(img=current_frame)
5h20
